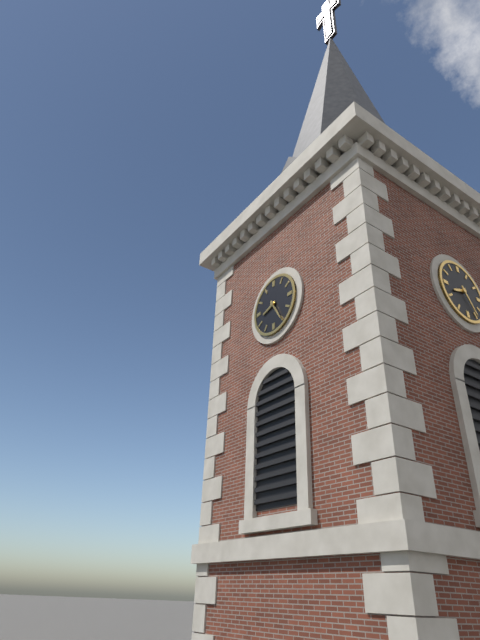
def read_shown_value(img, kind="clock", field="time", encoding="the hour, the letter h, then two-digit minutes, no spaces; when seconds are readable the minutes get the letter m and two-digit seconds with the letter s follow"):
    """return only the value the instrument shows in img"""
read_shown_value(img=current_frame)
8h25
